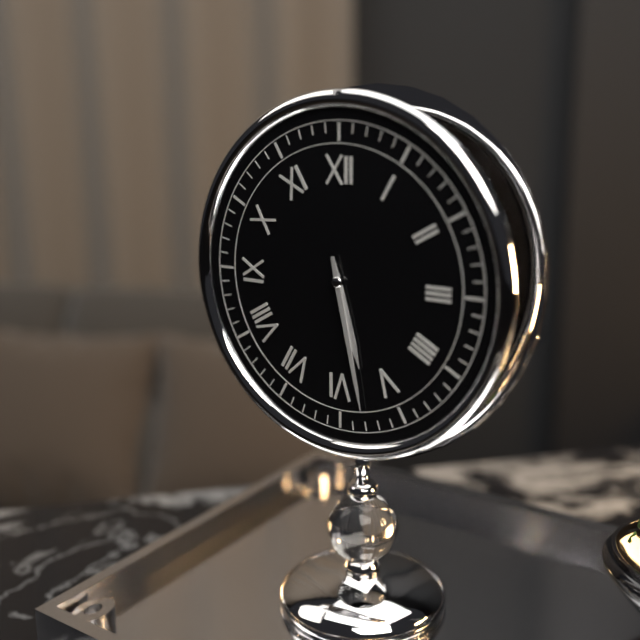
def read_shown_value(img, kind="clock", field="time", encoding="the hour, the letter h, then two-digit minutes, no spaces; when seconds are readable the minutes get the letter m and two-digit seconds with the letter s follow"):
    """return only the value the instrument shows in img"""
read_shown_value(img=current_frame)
5h28
